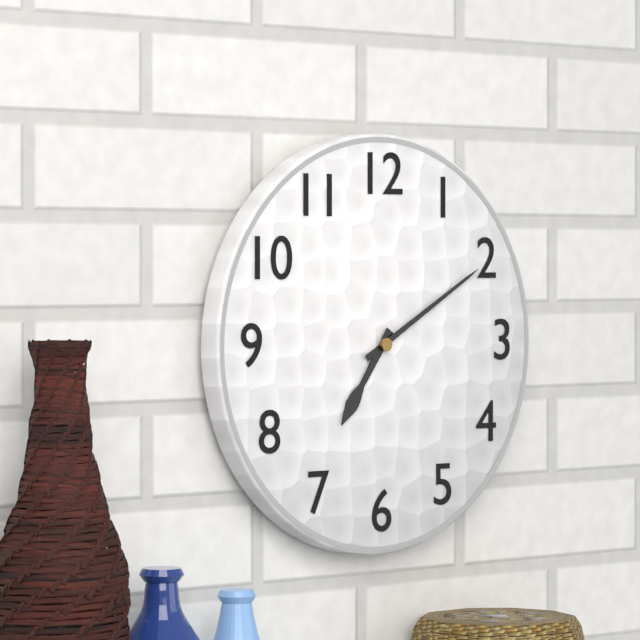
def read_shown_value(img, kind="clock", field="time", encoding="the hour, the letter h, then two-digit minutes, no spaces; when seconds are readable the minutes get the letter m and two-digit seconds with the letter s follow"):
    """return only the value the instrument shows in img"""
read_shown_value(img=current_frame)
7h10
